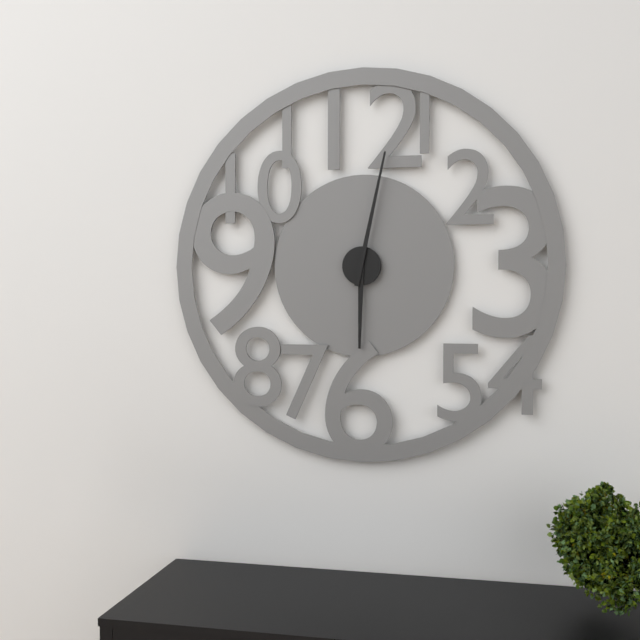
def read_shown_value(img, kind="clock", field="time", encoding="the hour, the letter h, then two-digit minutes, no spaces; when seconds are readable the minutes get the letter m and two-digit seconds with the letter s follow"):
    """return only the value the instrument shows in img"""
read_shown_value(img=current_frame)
6h02
